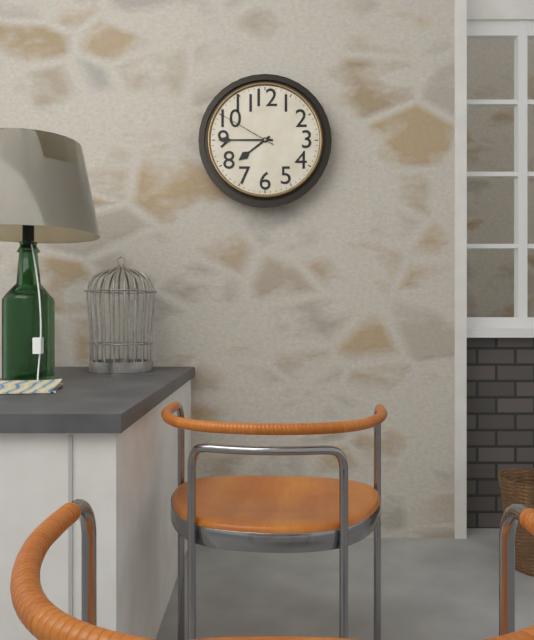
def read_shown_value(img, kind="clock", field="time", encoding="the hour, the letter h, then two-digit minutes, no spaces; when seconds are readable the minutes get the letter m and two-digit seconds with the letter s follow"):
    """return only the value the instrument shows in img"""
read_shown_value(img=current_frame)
7h45m50s
